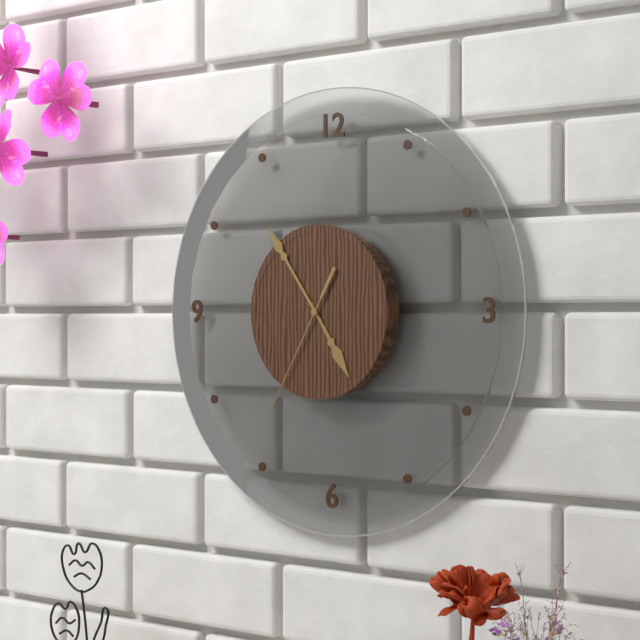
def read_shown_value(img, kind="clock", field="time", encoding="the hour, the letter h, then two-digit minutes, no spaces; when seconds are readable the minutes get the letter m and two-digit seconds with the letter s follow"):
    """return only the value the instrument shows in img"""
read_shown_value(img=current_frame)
4h54m35s
